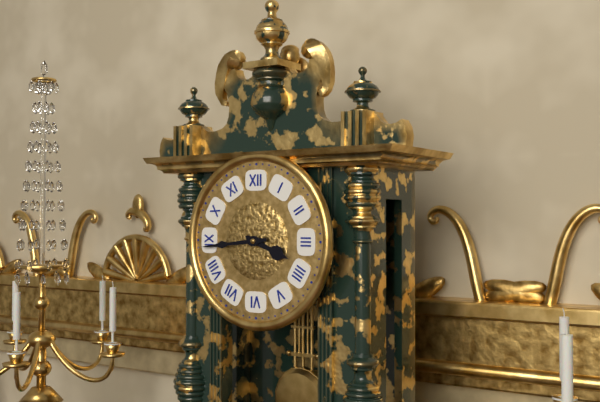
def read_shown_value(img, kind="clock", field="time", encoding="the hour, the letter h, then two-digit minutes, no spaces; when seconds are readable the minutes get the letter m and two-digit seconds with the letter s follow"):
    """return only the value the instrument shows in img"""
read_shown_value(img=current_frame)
3h44
